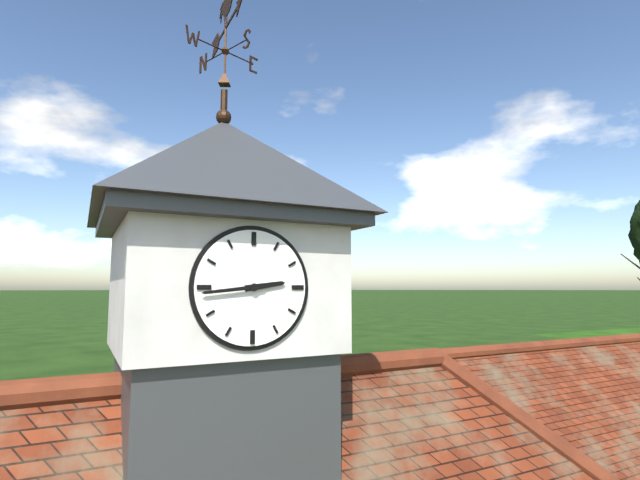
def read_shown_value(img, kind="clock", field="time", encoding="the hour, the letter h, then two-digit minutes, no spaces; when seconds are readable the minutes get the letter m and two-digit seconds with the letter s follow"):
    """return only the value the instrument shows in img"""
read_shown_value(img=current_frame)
2h44
